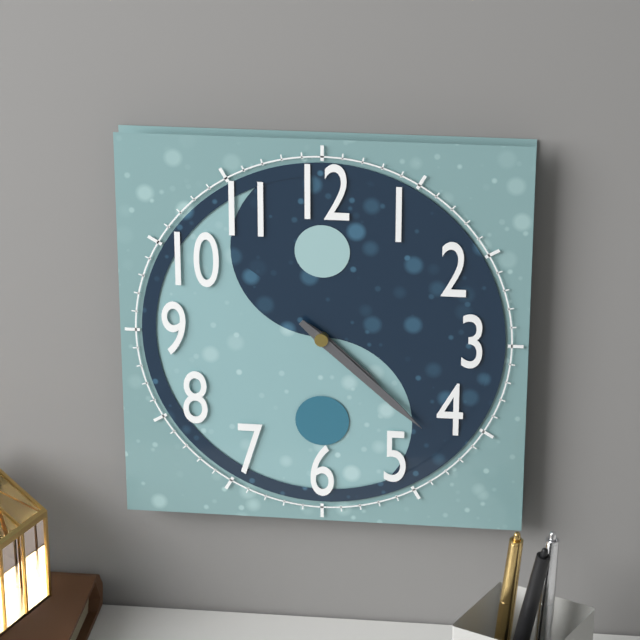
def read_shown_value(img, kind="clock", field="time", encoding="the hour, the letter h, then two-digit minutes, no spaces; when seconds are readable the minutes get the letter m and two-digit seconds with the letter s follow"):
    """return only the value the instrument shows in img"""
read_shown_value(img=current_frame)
4h22
